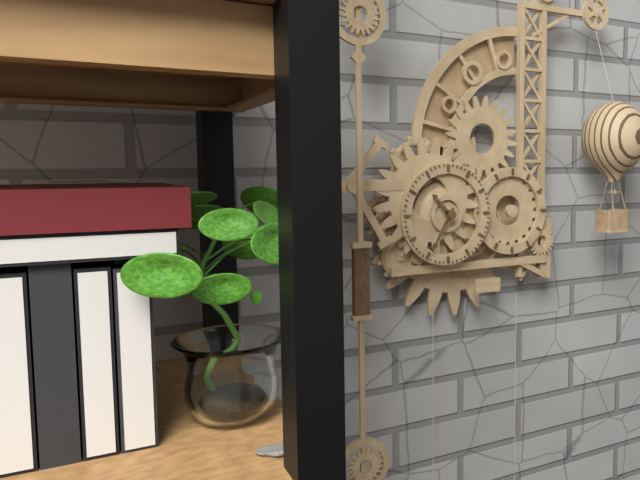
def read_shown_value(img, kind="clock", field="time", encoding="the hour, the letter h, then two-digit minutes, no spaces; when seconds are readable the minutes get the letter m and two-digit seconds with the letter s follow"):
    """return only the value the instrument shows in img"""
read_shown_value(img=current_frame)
10h35
